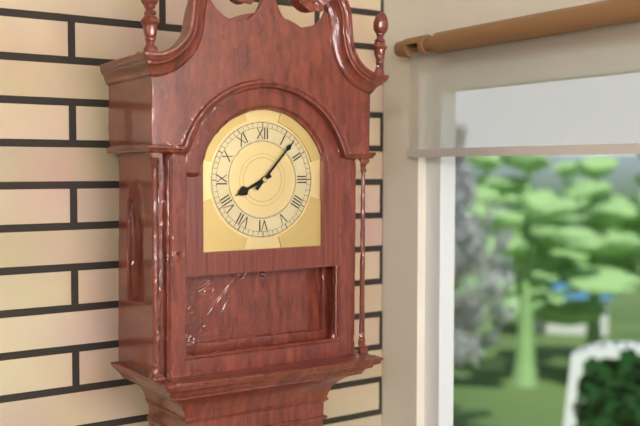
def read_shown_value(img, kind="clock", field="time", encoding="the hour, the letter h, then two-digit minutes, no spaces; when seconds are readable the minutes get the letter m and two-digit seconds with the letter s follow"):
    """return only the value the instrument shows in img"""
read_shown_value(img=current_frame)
8h07
